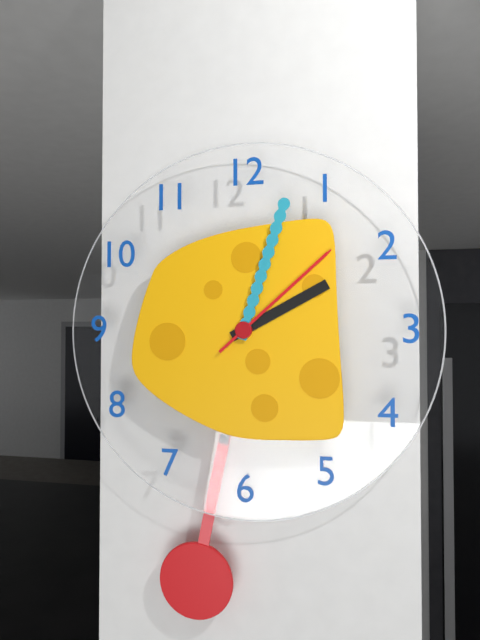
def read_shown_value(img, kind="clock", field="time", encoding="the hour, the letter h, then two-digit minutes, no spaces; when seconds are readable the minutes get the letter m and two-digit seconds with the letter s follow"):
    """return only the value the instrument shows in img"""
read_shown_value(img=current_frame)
2h03m08s
